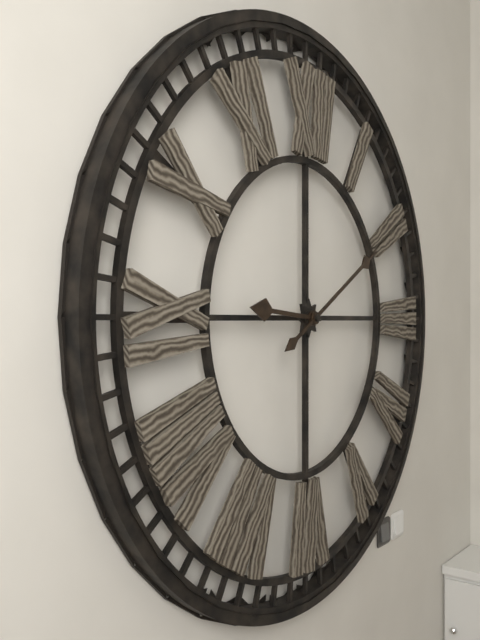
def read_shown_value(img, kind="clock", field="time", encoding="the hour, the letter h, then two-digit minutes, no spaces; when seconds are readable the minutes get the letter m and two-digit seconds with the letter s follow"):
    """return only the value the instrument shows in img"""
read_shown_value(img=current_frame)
9h10
